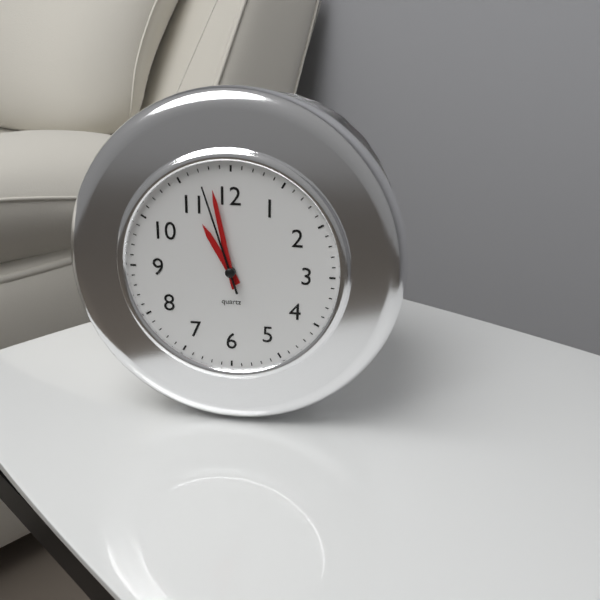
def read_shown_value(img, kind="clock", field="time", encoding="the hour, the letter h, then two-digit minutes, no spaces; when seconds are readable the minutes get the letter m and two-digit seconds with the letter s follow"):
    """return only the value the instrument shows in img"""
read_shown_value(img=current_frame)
10h58m57s
